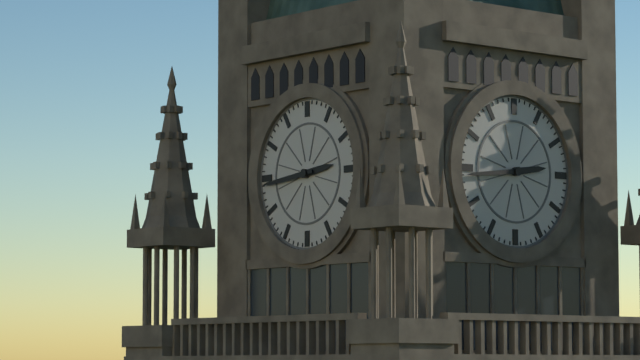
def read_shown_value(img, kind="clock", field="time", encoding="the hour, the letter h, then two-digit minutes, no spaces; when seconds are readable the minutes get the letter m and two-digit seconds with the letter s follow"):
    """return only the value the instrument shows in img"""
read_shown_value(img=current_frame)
2h44
